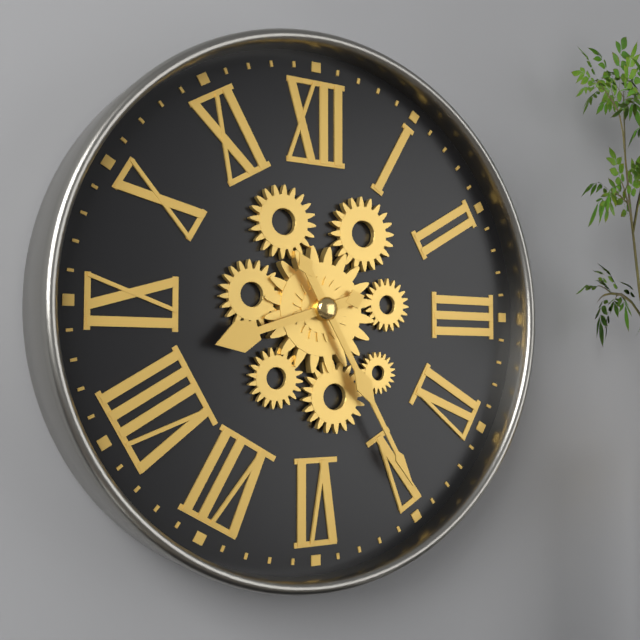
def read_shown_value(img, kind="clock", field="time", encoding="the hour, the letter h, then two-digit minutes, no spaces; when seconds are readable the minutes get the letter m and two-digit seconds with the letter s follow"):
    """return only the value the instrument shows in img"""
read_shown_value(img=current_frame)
8h25
